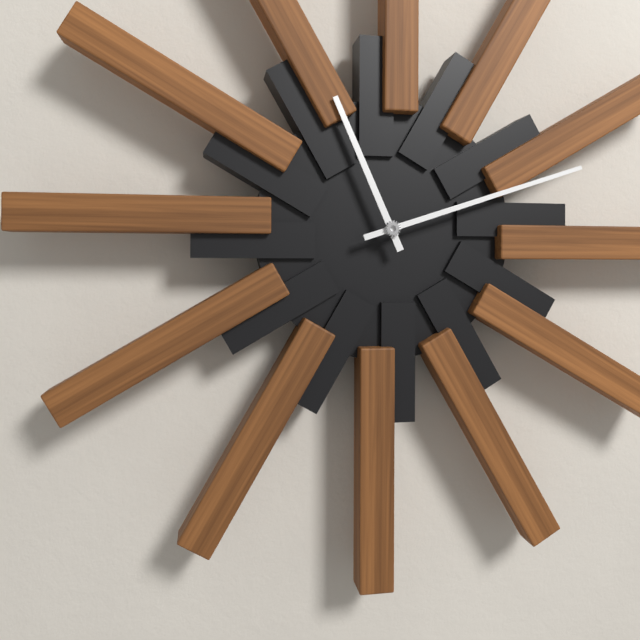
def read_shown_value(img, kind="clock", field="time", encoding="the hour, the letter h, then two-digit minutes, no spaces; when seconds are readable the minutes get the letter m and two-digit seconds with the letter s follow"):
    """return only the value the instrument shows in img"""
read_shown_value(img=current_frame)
11h12
